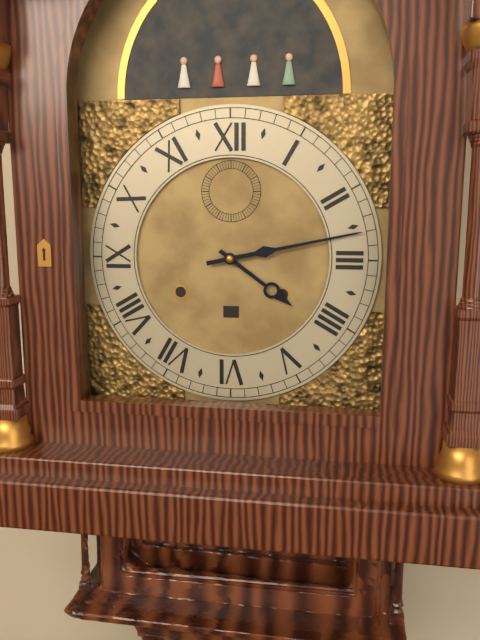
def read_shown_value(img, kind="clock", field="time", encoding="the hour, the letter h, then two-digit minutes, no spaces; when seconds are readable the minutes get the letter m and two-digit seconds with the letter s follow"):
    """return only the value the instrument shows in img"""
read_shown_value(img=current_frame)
4h13
